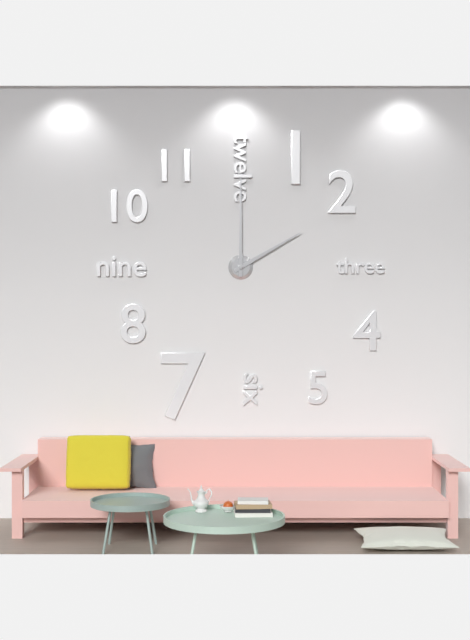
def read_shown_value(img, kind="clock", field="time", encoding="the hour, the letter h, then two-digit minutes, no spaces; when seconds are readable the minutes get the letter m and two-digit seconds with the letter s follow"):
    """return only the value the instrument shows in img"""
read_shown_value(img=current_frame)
2h00
